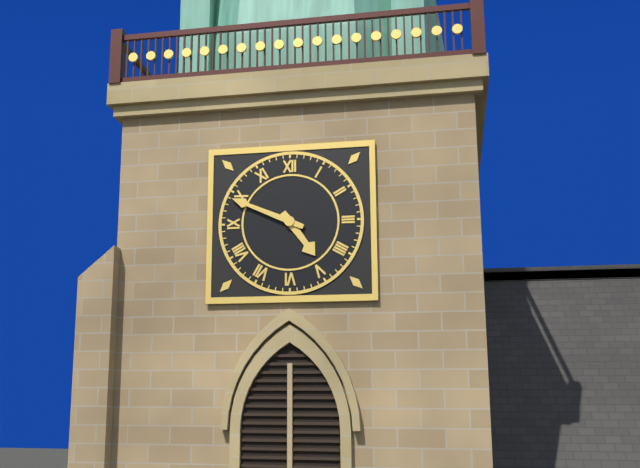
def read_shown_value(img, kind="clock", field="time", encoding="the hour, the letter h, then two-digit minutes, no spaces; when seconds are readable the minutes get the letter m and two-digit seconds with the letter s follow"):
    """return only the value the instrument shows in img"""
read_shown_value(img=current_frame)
4h49
